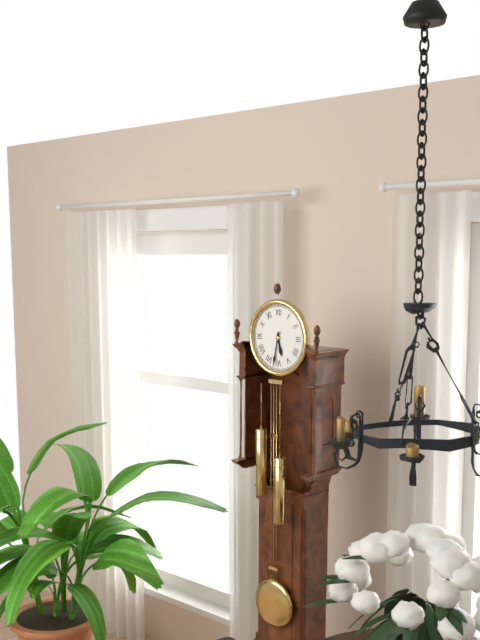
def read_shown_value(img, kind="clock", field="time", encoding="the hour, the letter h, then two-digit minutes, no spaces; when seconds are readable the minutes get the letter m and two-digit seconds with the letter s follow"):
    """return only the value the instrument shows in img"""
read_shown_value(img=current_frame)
5h32
